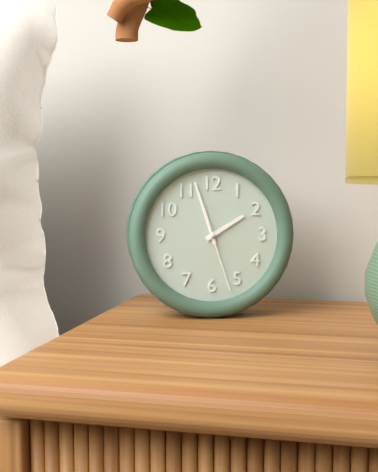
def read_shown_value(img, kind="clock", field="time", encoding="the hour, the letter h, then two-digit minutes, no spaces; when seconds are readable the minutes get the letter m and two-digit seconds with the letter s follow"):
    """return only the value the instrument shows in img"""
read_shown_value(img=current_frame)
1h57m27s
